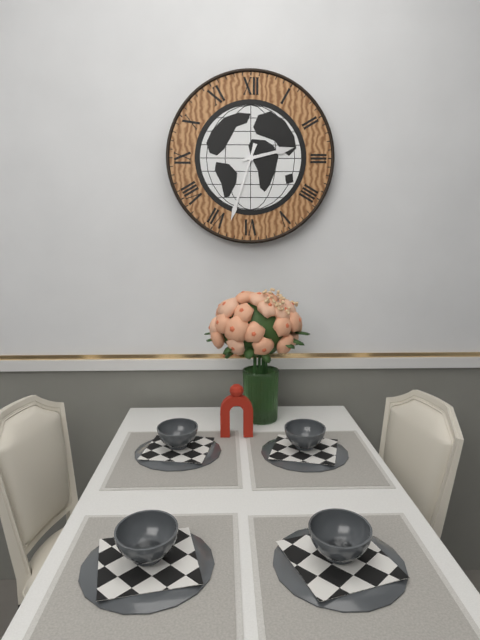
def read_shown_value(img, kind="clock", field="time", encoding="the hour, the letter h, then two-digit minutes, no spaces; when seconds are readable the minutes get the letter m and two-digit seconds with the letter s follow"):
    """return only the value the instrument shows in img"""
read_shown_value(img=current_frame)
2h33
